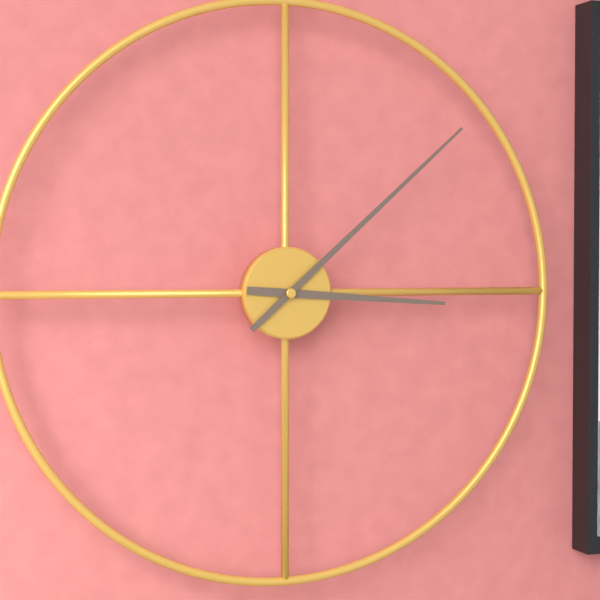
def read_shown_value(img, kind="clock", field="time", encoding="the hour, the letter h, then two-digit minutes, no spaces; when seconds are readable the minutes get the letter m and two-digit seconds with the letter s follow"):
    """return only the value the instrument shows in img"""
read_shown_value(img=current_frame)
3h08
